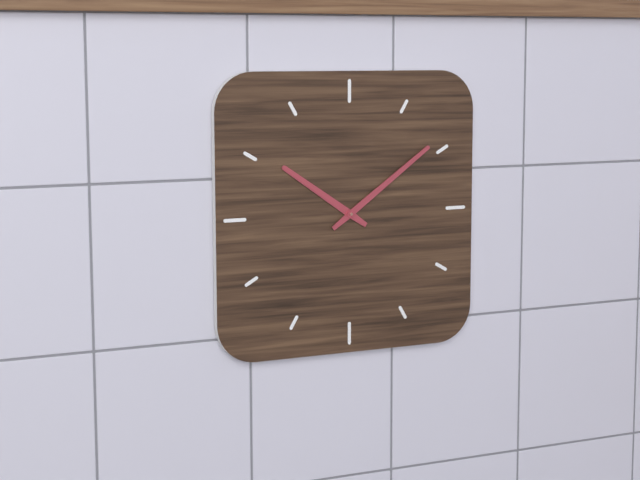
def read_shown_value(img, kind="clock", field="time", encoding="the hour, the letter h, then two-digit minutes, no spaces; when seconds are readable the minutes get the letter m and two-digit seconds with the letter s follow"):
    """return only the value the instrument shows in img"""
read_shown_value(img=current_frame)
10h09
